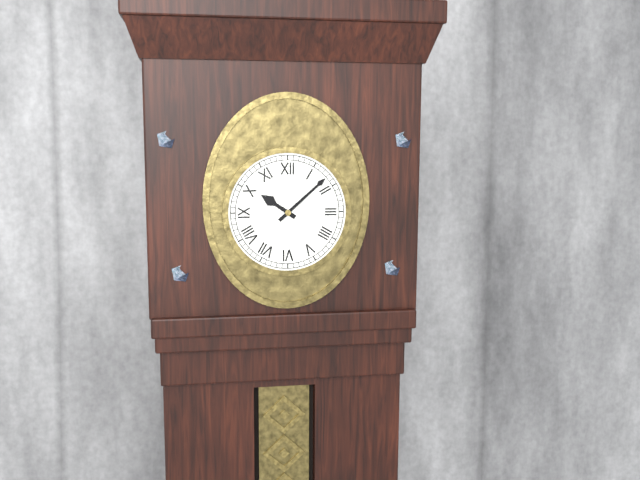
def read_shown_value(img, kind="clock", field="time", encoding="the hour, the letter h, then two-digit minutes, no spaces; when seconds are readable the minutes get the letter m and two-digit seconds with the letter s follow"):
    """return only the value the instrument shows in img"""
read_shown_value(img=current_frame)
10h08
